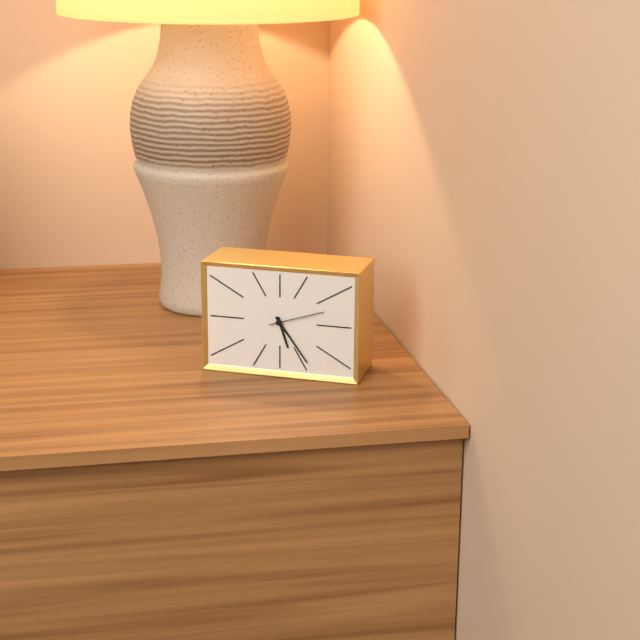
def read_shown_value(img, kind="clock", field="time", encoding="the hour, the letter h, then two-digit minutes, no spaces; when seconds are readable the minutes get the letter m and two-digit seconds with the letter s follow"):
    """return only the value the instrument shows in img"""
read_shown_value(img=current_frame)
5h24m12s
